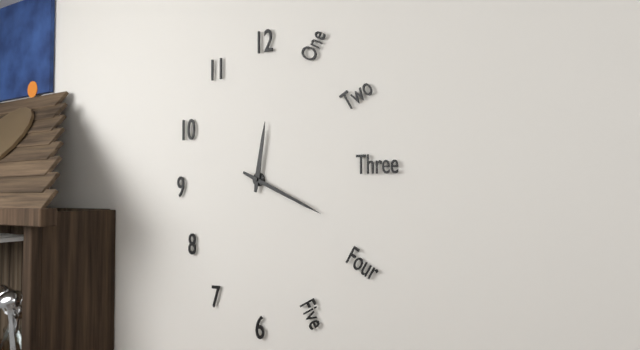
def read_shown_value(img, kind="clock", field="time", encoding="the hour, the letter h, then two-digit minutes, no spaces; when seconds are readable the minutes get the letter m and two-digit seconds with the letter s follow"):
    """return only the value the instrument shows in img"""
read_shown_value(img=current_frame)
12h19
